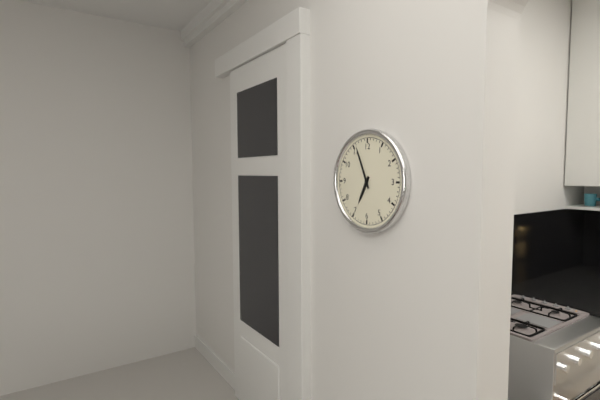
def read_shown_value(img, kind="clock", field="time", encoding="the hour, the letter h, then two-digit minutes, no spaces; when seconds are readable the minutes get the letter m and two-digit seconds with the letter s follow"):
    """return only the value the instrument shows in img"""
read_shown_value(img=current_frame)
6h56
